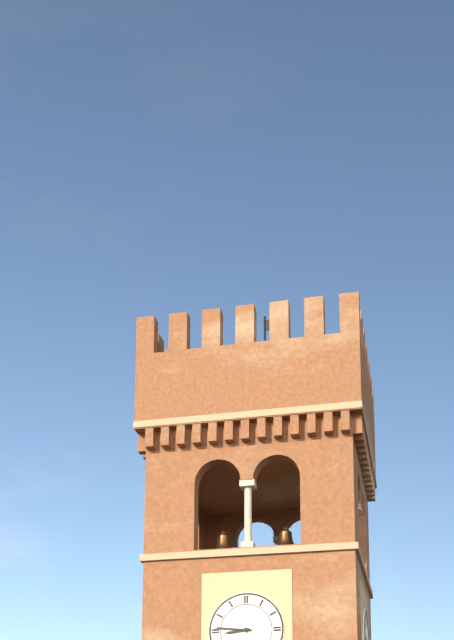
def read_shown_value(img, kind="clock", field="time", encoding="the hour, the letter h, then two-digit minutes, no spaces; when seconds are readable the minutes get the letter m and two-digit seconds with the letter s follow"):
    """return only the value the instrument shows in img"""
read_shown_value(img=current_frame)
8h46
